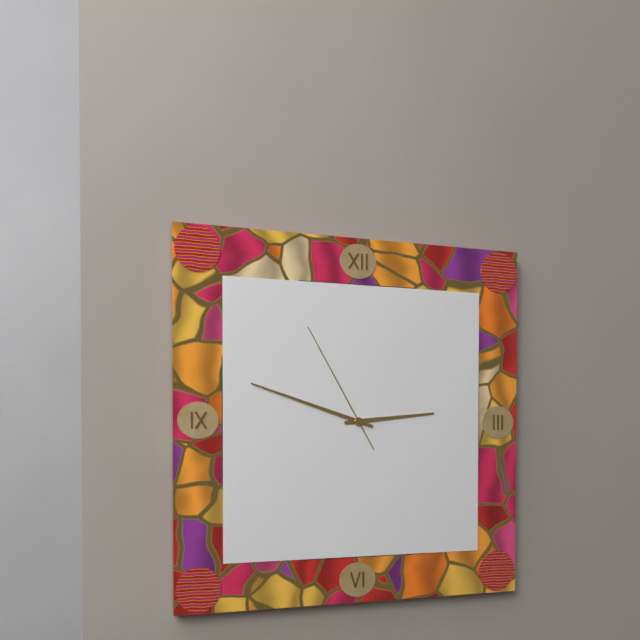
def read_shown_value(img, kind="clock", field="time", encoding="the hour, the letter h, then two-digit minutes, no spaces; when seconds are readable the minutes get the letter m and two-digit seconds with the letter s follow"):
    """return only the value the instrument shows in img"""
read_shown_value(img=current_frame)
2h48m55s
